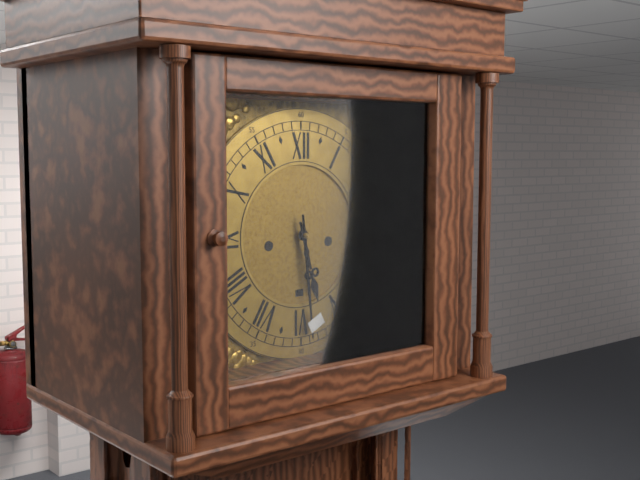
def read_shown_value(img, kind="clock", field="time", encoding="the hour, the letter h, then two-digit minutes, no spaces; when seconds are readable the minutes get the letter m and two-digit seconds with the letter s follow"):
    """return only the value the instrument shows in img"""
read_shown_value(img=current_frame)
5h29
